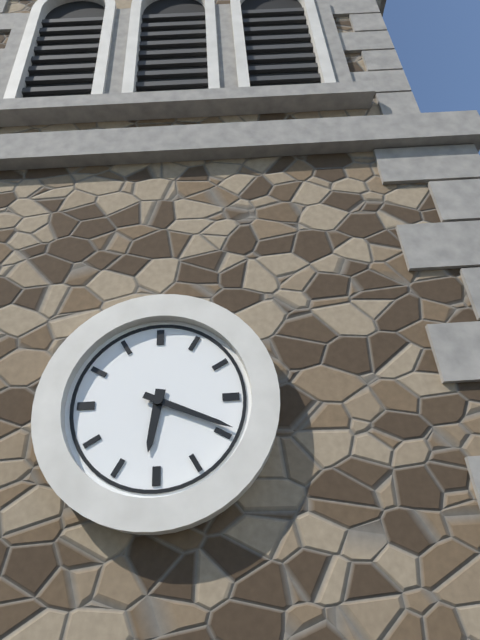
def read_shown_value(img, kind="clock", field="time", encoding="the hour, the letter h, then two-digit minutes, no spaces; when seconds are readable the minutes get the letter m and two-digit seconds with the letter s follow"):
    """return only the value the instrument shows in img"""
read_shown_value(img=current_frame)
6h19
